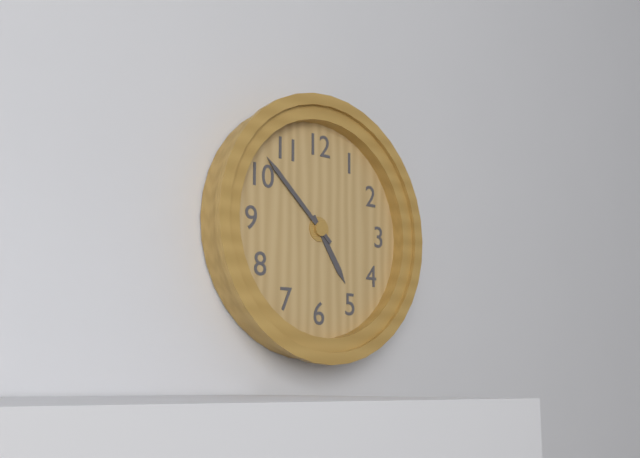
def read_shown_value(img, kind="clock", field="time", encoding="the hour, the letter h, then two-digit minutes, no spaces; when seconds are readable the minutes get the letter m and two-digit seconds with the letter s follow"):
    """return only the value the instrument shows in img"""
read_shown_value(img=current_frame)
4h52
